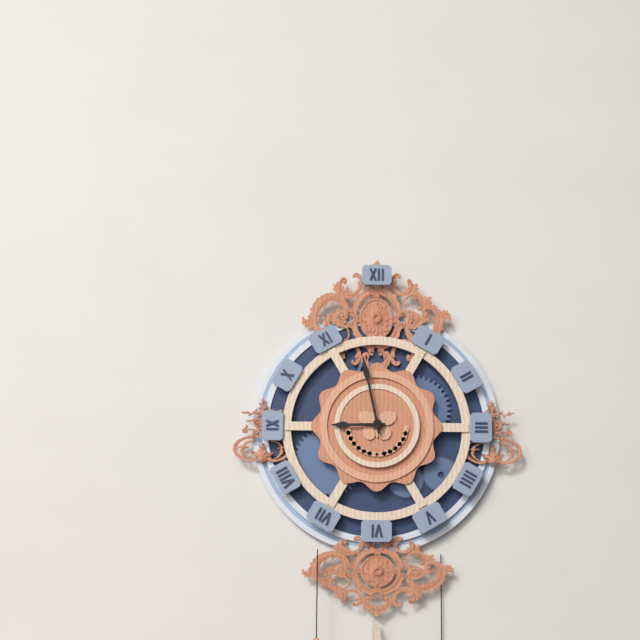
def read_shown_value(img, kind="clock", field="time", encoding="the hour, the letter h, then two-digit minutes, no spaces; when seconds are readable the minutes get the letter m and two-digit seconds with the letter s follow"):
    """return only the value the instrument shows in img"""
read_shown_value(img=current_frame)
8h58
